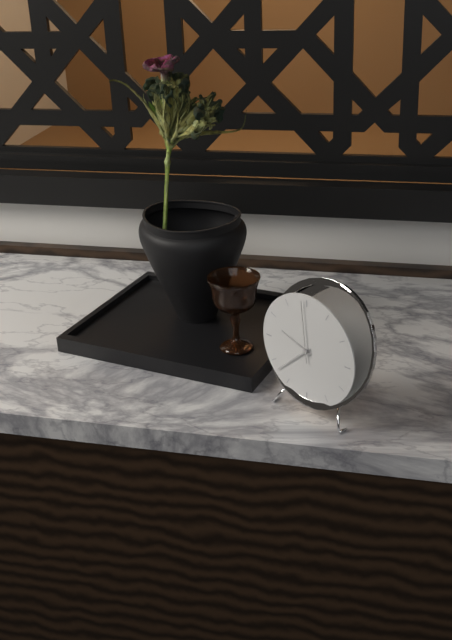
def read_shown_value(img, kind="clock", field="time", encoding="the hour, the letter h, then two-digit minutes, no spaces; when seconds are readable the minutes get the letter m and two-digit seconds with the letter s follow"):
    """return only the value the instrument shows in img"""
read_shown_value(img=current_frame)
9h38m59s
